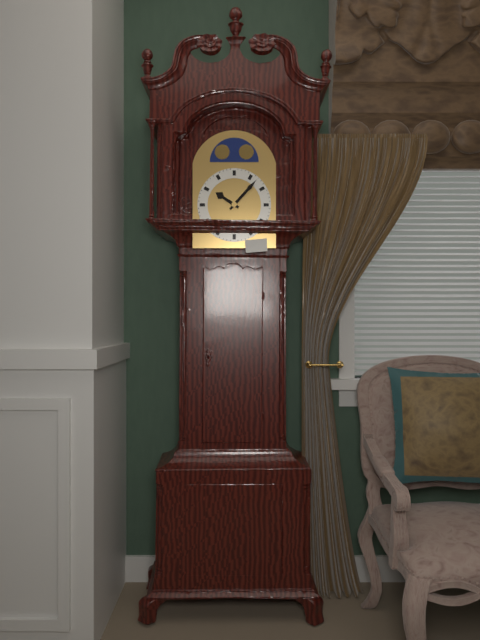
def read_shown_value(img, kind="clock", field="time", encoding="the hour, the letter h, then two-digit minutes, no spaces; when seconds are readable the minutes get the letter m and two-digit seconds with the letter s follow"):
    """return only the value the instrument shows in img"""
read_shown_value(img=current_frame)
10h07
